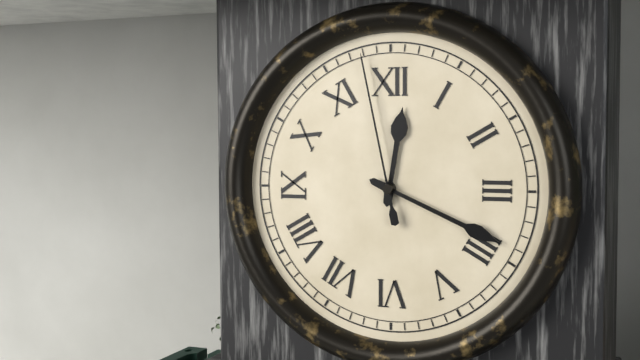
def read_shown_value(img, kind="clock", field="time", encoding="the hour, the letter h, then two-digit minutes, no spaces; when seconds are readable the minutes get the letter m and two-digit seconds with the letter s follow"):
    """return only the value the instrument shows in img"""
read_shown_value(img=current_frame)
12h19m58s
